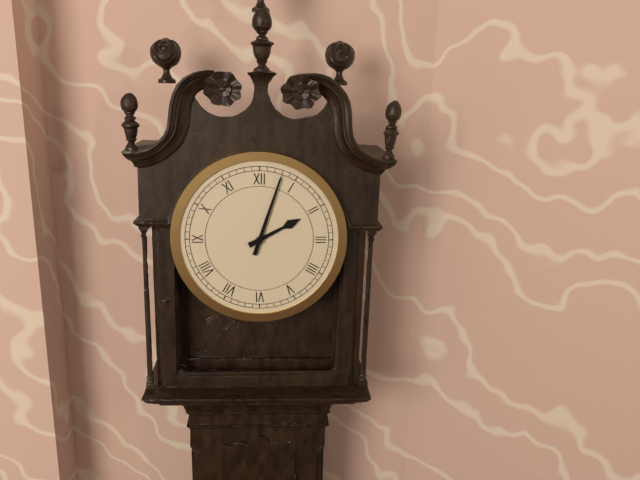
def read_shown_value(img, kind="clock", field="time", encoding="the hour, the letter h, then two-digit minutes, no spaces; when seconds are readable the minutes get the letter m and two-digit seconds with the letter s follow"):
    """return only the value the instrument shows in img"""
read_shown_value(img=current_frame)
2h03
